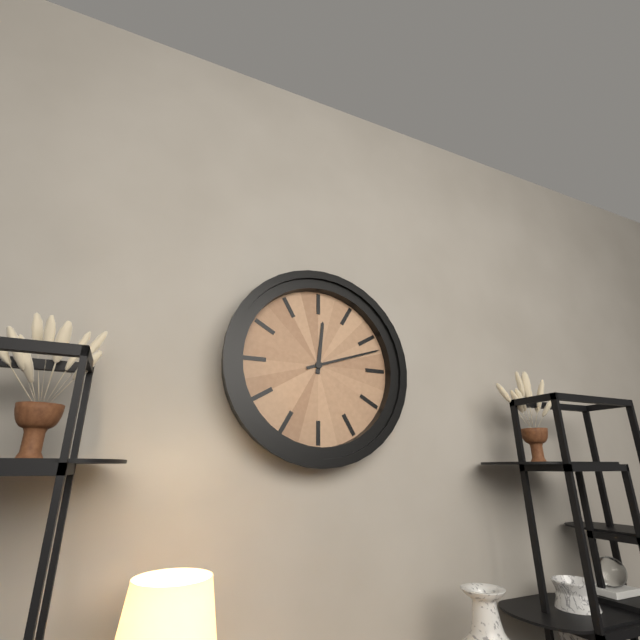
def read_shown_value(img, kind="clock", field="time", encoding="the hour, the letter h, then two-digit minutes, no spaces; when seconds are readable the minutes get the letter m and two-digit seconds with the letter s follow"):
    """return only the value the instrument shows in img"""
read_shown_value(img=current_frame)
12h12
